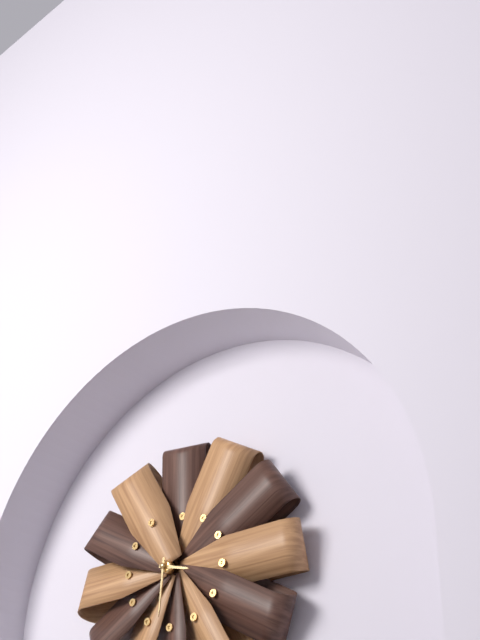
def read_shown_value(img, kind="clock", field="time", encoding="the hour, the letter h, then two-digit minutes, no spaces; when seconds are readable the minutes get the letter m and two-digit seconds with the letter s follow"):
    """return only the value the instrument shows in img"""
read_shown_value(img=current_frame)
3h31
